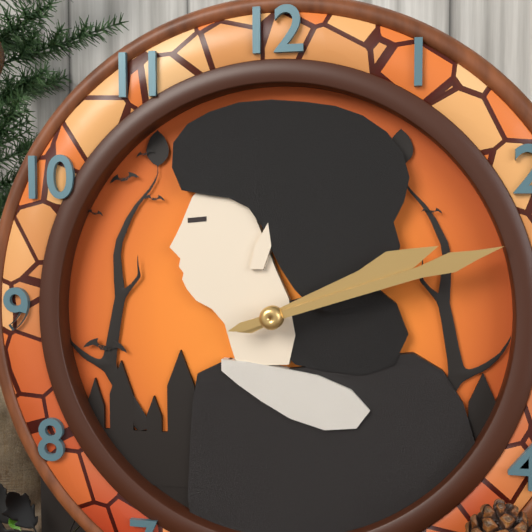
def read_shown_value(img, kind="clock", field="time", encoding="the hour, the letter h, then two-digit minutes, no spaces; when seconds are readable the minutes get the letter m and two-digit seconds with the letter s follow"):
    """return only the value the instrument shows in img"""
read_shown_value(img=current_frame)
2h12
